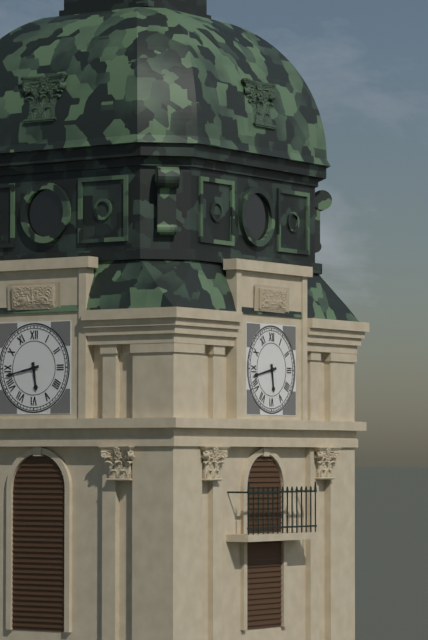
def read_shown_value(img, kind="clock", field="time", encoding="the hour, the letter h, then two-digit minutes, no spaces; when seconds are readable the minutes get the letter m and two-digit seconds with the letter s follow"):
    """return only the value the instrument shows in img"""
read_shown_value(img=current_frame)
5h43
